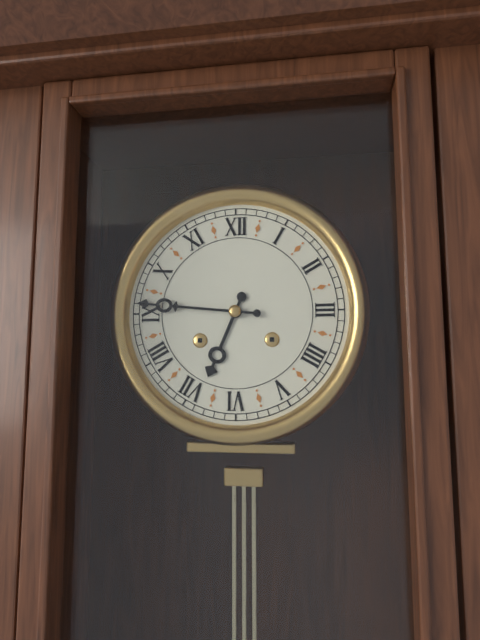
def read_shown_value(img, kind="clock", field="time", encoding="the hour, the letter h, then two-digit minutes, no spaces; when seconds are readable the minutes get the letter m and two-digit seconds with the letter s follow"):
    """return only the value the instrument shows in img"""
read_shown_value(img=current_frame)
6h46
